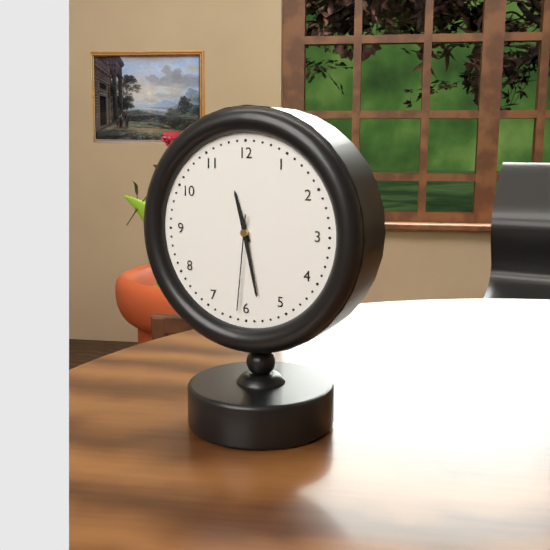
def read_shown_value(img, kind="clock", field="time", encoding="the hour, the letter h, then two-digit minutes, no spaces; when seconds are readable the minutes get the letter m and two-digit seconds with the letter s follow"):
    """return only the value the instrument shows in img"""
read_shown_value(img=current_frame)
11h28m31s
